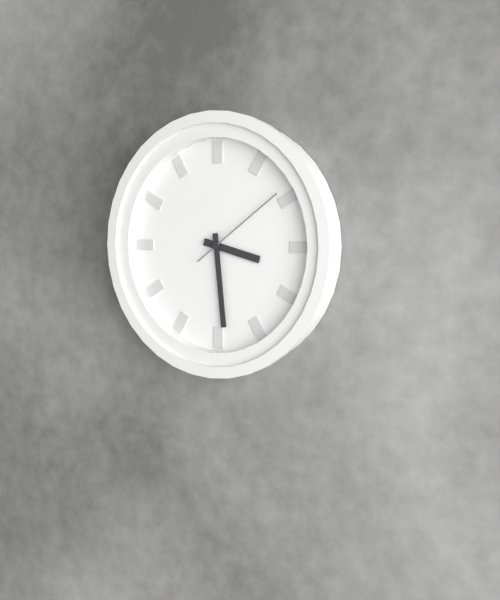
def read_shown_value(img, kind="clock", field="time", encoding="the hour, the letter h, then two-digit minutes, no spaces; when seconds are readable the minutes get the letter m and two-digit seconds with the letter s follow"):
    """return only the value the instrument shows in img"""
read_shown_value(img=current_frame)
3h29m09s
